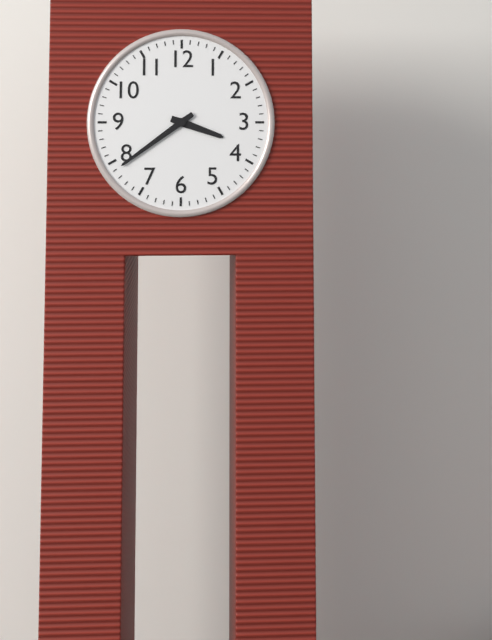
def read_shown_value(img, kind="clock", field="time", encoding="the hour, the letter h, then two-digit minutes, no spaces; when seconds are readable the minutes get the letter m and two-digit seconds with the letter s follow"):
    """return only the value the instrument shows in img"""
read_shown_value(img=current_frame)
3h39
